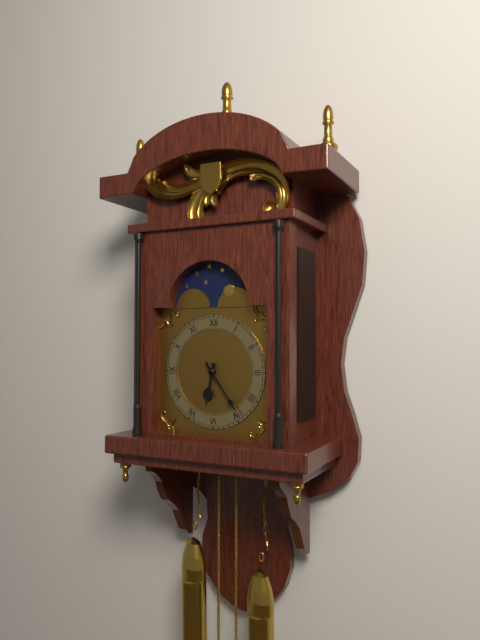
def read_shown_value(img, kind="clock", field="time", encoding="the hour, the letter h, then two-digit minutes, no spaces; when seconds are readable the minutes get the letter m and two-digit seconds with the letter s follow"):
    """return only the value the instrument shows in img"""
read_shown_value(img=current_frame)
6h24
